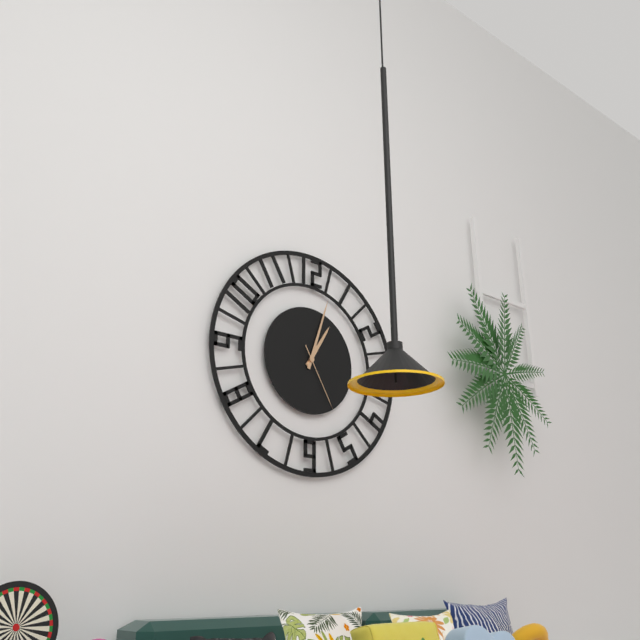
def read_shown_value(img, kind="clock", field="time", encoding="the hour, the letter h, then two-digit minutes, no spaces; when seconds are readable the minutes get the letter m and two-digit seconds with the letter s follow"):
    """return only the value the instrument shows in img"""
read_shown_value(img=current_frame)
1h03m25s
